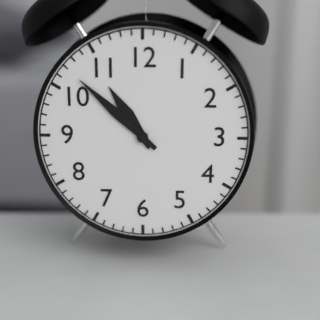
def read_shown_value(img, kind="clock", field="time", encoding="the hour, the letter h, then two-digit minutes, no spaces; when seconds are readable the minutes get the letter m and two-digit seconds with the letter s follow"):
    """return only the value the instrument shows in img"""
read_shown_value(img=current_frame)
10h52
